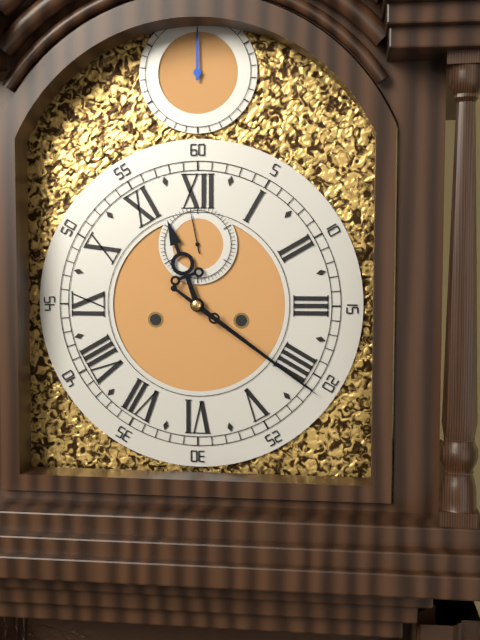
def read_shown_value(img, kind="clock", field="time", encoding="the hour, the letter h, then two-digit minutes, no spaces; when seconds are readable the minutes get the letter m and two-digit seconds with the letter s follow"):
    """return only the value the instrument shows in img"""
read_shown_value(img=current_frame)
11h21
